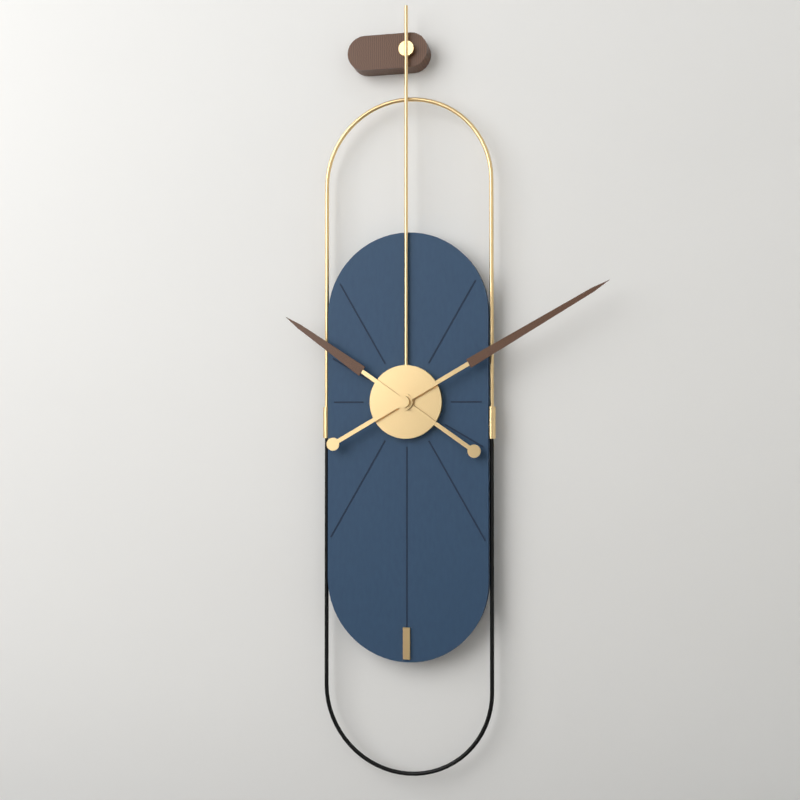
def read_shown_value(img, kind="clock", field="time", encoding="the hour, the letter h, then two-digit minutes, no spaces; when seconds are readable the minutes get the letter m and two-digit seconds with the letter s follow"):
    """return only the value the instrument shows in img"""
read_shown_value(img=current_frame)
10h10
